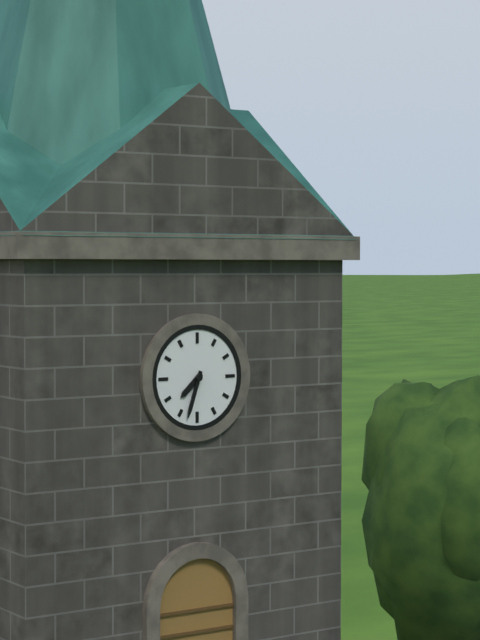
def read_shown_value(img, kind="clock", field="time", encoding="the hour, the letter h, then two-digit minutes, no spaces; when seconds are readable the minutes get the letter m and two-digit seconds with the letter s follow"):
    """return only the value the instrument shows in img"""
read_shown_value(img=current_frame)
7h33
